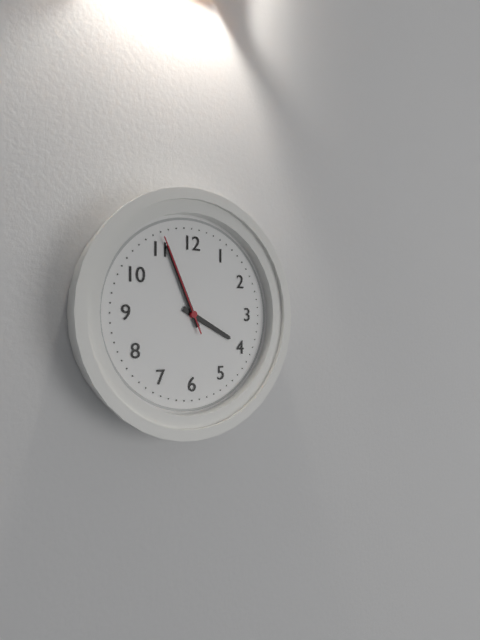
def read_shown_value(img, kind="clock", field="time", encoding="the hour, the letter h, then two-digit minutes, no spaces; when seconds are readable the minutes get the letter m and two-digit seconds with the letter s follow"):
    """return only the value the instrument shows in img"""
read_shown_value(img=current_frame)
3h56m56s
